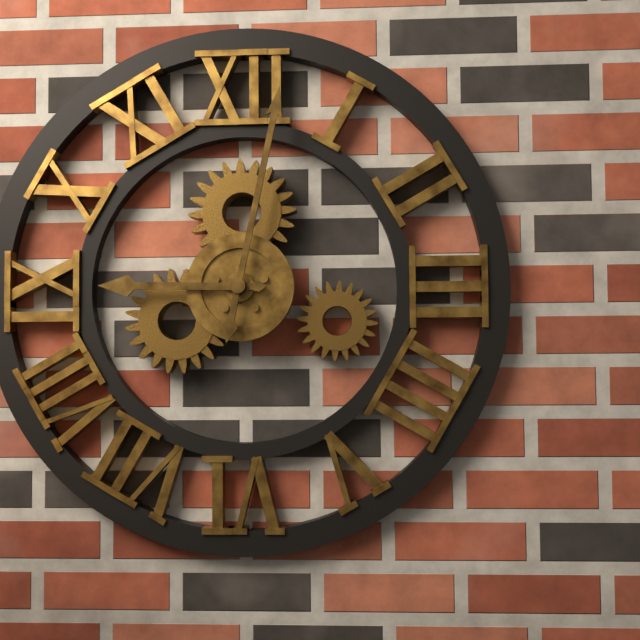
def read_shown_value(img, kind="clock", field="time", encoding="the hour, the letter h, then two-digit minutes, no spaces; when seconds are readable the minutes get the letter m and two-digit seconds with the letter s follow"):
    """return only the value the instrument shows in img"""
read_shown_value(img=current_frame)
9h02
